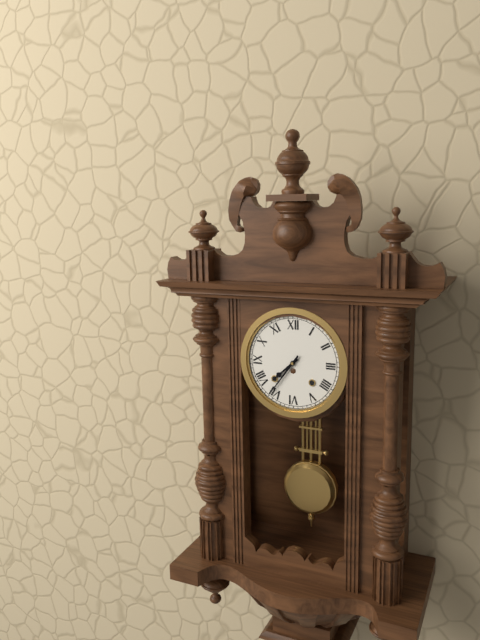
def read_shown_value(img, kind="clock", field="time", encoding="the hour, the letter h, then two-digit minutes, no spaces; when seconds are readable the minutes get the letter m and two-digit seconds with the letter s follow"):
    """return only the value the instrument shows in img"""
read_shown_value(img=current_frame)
7h36
